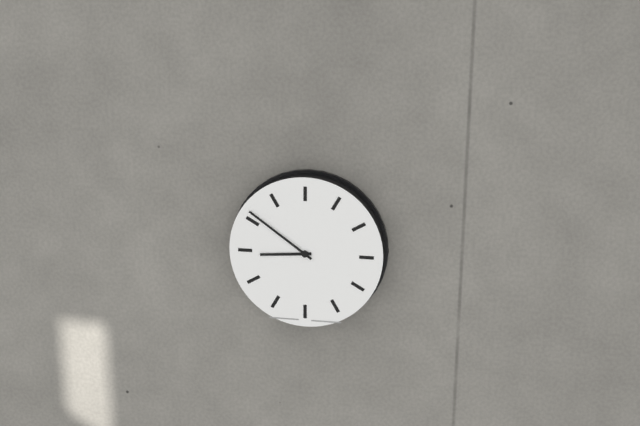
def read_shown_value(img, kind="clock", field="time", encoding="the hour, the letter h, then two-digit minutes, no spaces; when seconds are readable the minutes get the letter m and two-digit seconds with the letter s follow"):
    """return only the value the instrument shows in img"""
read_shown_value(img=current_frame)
8h51
